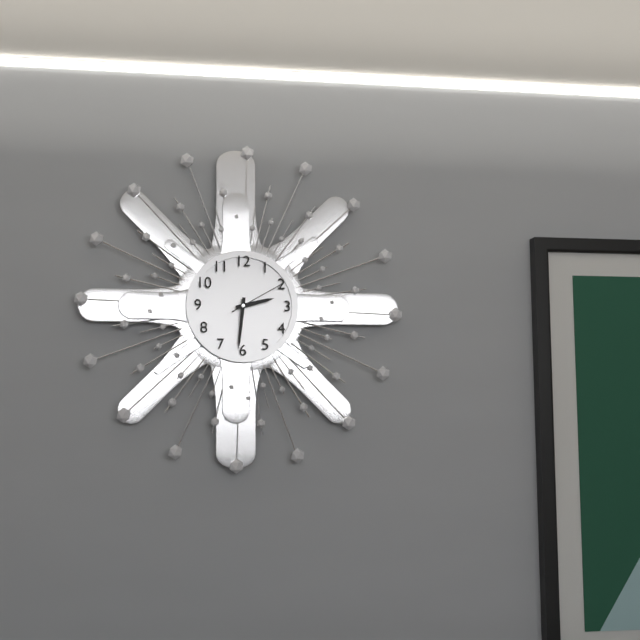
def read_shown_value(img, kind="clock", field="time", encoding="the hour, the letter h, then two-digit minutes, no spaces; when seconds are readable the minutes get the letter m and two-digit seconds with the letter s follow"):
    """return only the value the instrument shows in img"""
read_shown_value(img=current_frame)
2h31m10s
